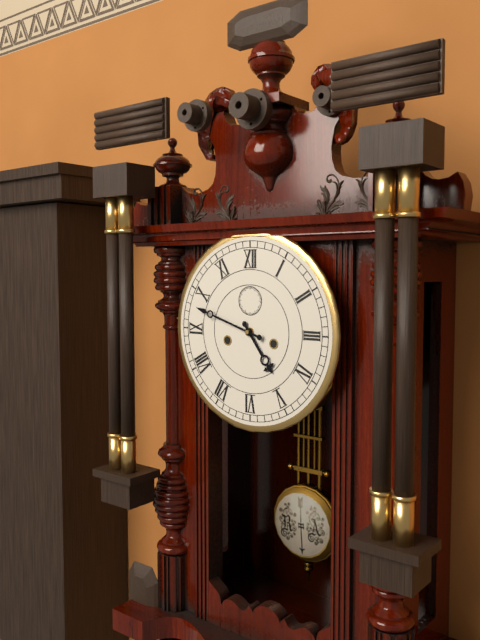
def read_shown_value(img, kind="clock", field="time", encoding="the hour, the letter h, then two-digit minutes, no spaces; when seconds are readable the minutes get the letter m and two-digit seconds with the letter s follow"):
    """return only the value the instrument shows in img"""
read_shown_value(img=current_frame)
4h48
